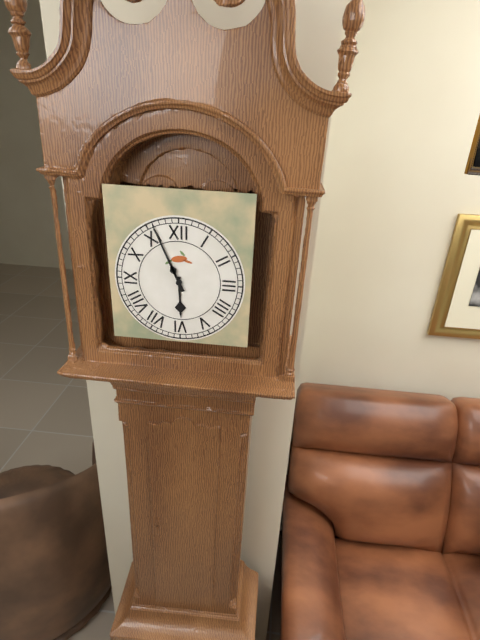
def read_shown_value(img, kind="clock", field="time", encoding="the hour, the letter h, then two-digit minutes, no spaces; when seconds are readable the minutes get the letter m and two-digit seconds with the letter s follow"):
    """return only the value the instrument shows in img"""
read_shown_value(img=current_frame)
5h56
